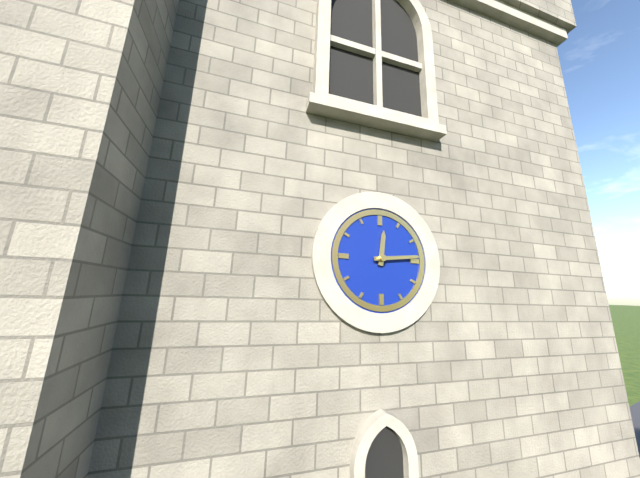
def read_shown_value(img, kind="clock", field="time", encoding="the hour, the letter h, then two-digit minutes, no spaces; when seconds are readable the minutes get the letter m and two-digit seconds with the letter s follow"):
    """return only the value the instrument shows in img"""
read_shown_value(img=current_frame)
12h14
